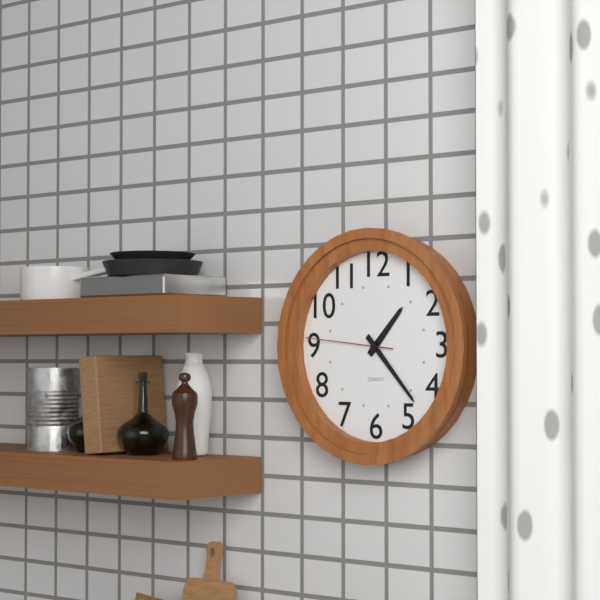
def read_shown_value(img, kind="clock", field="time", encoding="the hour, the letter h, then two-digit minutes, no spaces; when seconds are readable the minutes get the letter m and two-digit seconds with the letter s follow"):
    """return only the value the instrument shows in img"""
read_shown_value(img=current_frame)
1h23m46s
